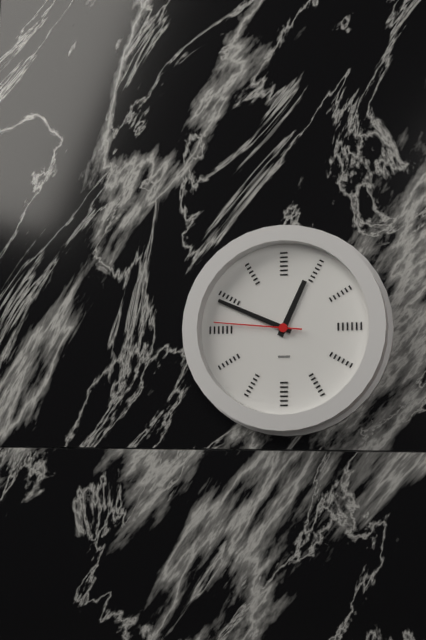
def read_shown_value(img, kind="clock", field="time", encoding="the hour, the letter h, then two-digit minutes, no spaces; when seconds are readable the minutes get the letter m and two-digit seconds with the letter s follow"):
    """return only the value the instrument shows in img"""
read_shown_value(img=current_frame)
12h49m46s
